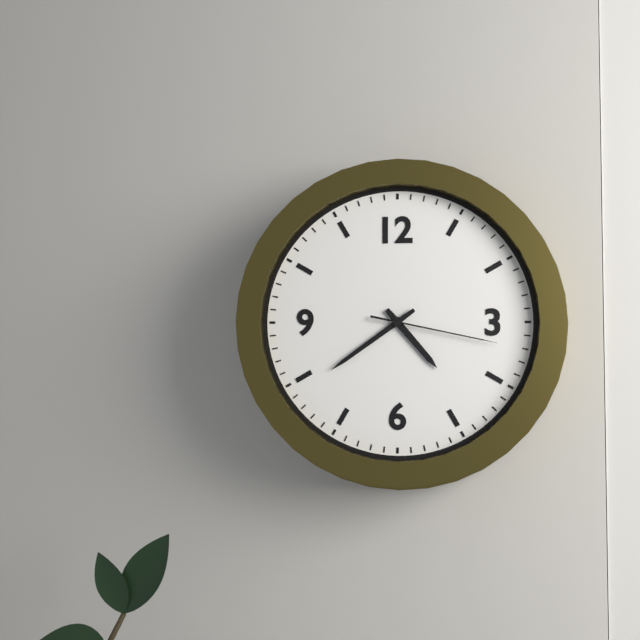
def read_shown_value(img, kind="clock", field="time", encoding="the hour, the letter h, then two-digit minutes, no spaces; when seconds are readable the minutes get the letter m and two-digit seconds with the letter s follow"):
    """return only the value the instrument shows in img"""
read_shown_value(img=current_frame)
4h39m17s
